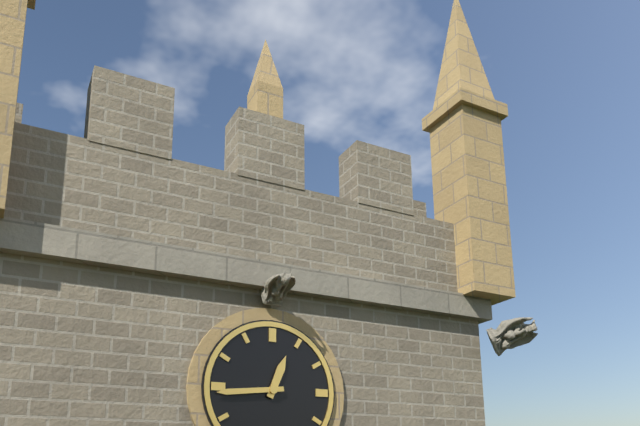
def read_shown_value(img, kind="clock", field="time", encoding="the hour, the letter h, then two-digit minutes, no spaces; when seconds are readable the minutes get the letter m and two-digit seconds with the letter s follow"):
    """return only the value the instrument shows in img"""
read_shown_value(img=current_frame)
12h44
